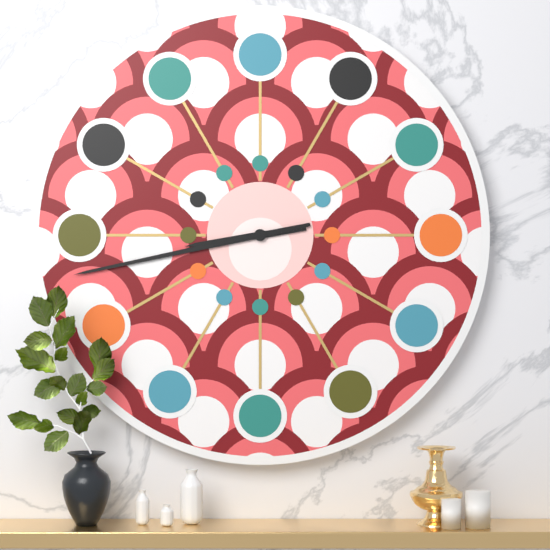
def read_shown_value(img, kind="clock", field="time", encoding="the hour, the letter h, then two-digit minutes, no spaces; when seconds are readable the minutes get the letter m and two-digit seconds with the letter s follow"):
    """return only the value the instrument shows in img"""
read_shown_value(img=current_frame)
8h43
